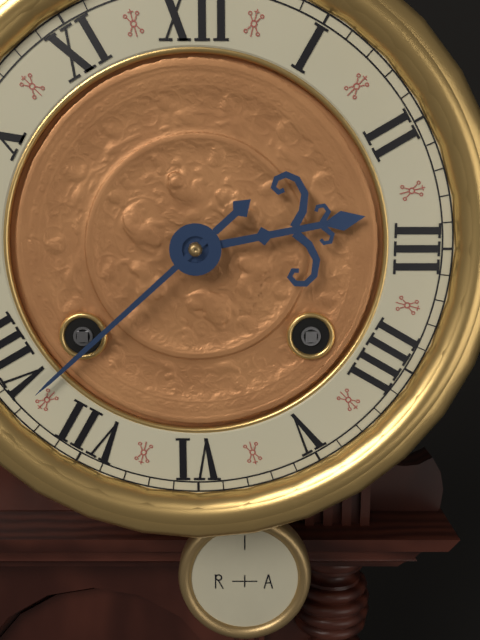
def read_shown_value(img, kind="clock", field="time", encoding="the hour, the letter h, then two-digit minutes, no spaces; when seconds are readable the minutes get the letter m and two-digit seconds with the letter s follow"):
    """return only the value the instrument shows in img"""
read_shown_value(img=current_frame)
2h38
